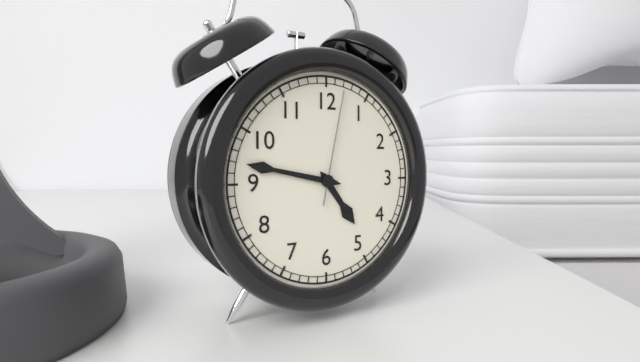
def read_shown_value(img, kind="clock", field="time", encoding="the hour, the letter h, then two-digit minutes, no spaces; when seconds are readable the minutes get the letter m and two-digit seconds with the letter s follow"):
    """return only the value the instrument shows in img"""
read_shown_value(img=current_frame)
4h47m02s
